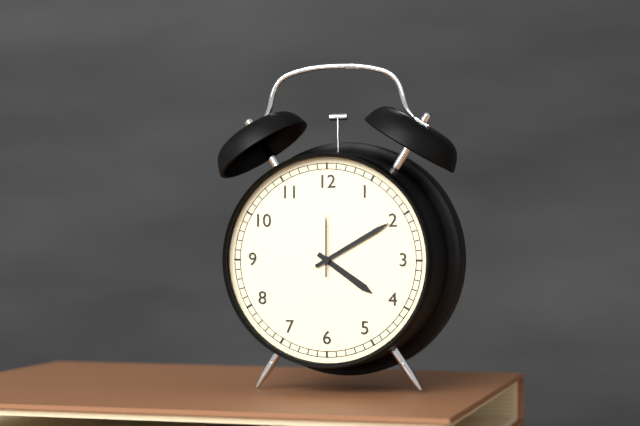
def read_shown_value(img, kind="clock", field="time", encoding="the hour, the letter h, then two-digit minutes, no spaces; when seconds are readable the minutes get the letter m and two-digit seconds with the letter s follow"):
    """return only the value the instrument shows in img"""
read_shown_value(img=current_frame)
4h10m00s
